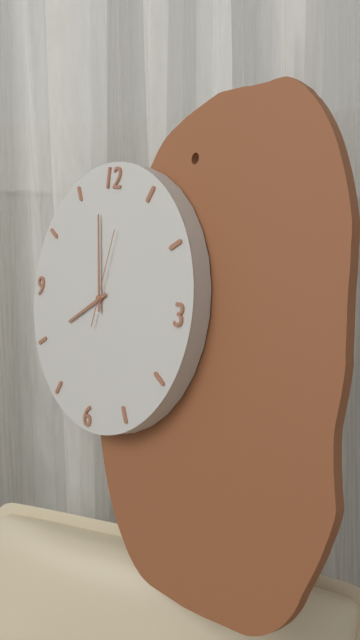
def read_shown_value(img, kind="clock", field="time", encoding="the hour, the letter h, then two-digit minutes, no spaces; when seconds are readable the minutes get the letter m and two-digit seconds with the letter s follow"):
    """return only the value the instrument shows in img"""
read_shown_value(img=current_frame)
7h58m02s
